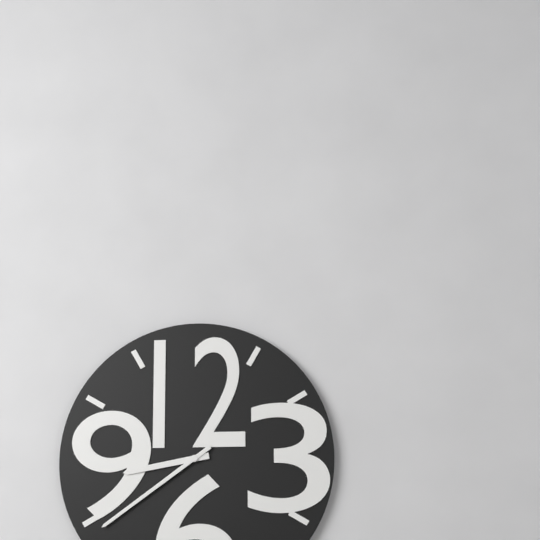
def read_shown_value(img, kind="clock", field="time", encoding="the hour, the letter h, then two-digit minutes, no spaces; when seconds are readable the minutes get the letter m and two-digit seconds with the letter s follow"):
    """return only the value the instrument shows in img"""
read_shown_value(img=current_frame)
8h39
